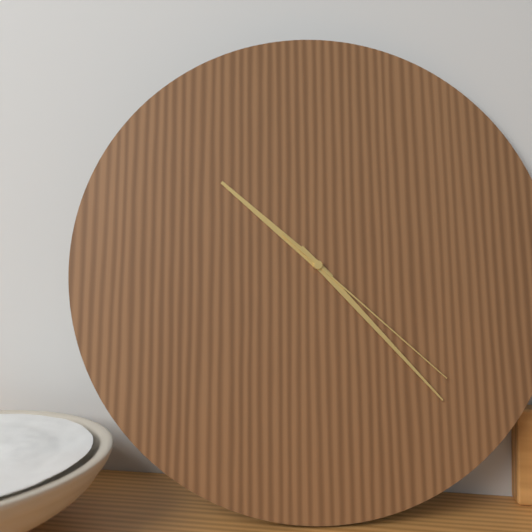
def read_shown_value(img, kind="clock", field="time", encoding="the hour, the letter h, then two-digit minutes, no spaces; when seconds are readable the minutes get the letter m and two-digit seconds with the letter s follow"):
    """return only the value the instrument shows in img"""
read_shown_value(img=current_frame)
10h23m22s
